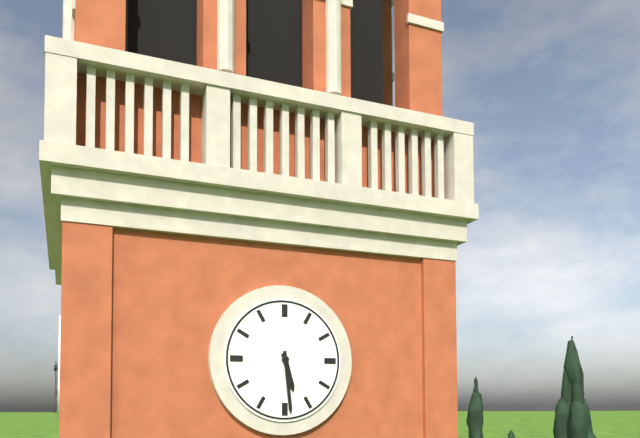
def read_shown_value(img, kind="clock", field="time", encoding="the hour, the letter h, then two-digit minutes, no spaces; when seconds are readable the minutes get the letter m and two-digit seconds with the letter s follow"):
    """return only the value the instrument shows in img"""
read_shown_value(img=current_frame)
5h29
